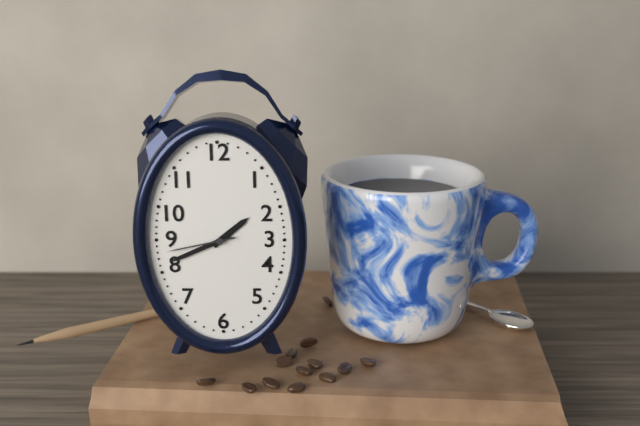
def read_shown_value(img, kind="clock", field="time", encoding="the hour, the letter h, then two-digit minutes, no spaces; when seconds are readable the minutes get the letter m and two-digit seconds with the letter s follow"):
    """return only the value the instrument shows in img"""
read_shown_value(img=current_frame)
1h41m43s
